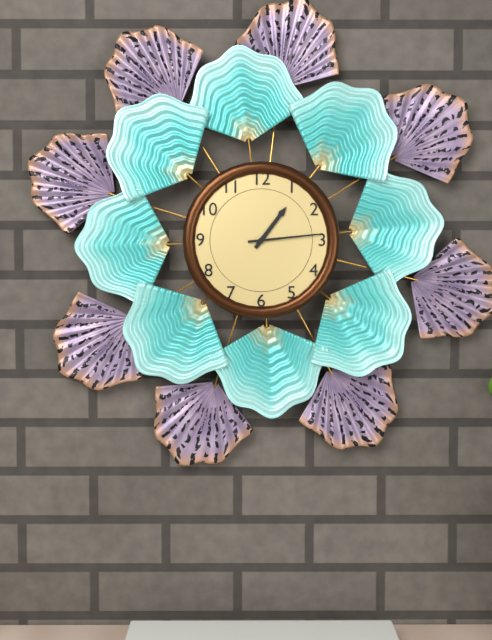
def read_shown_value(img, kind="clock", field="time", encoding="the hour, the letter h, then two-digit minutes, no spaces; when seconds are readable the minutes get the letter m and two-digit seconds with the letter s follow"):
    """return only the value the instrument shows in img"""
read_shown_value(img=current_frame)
1h14
